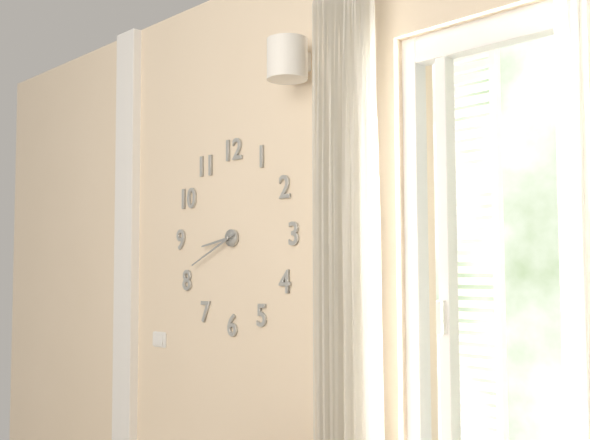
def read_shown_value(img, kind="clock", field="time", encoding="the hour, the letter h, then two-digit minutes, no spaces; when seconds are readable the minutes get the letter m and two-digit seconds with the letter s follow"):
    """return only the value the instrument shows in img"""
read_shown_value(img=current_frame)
8h41
